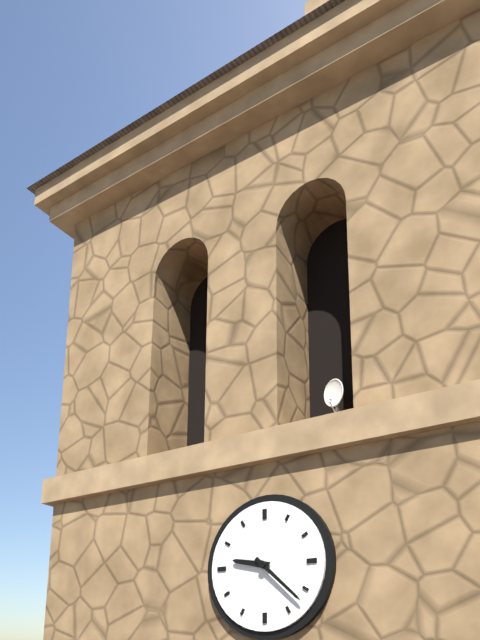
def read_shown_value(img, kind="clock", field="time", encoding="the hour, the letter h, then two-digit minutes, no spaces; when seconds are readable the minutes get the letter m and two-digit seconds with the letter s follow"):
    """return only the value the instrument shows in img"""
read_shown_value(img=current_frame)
9h22
